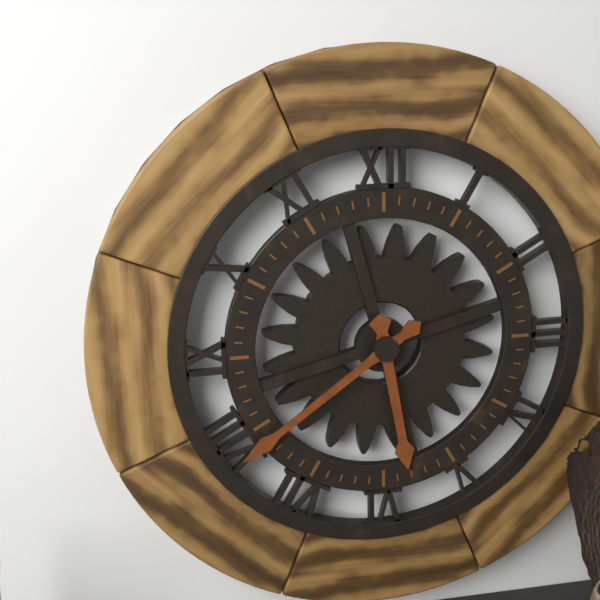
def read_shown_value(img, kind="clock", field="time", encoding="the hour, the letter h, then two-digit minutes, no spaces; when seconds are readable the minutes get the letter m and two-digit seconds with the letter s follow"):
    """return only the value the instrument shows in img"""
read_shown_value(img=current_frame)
5h39
